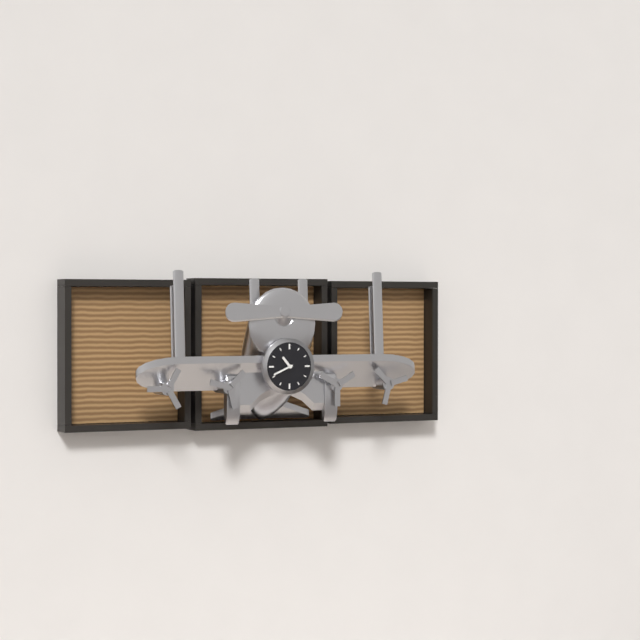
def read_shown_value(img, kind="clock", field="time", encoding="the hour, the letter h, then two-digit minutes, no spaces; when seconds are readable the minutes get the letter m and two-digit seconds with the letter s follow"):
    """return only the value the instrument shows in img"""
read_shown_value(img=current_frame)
10h41
